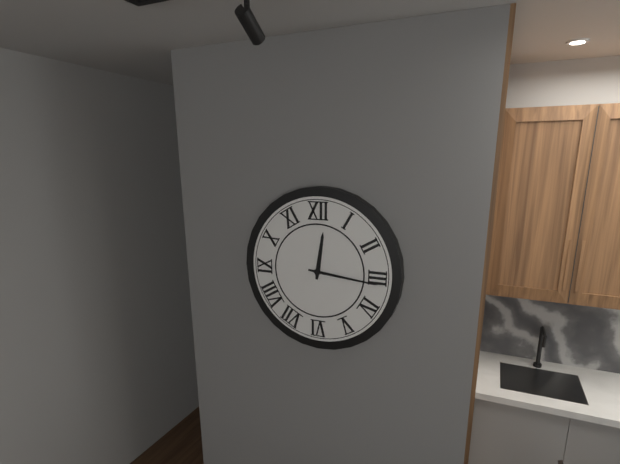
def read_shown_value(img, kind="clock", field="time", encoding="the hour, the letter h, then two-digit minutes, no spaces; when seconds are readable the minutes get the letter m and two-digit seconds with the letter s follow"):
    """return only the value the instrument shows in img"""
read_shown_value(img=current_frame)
12h16
